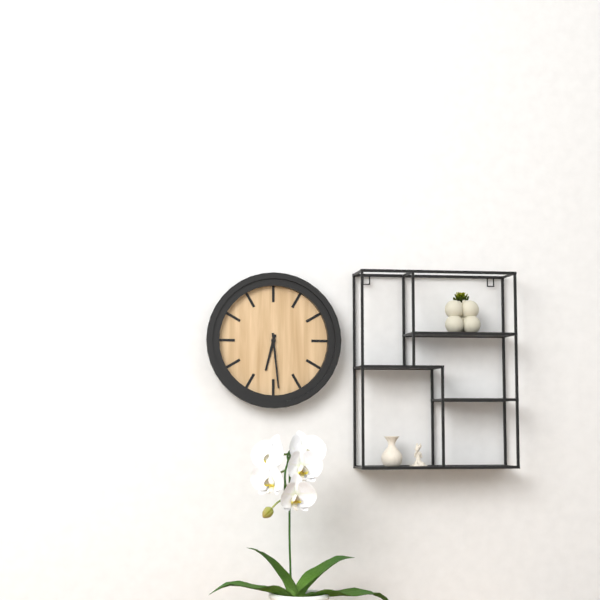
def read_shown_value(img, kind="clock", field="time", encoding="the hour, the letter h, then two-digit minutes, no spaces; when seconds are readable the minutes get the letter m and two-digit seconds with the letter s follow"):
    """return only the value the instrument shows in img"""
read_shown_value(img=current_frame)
6h29
